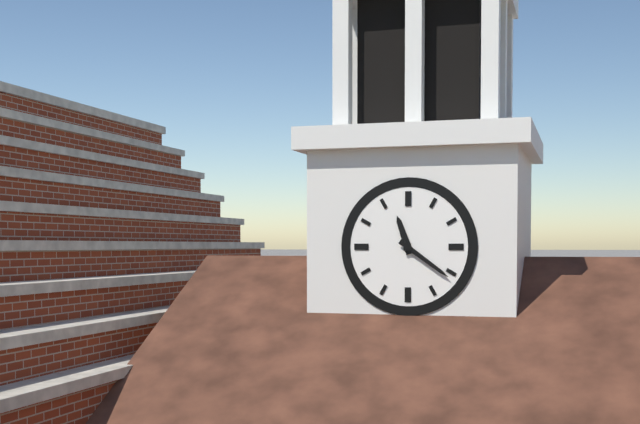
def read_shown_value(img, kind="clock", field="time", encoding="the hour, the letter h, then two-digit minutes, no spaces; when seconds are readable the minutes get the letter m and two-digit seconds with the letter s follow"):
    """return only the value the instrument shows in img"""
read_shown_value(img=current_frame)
11h21
